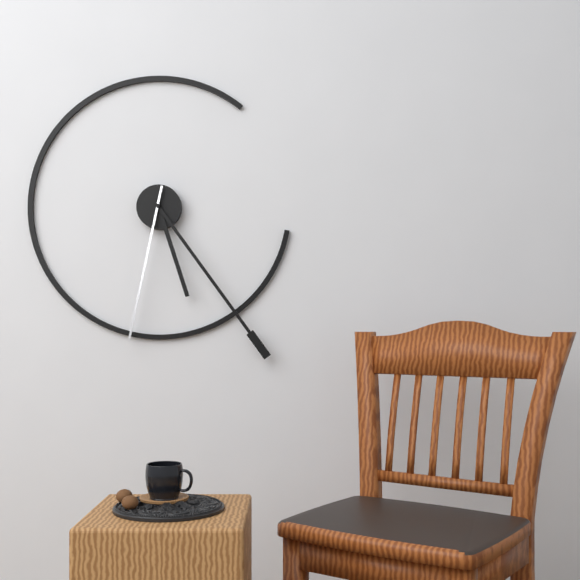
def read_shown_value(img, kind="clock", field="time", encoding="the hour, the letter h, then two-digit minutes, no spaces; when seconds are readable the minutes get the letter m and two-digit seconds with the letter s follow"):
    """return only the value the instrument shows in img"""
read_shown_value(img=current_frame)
5h24m32s
